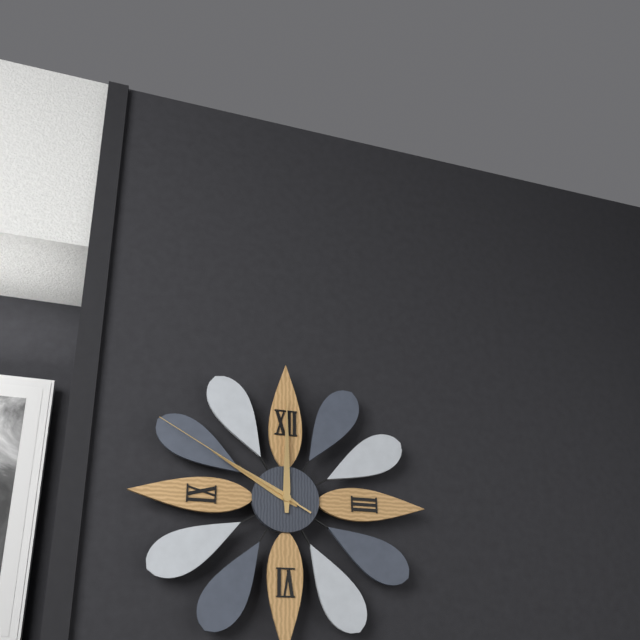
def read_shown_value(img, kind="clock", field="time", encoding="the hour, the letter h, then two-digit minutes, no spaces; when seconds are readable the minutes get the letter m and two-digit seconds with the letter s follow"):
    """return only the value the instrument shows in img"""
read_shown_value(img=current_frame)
10h00m50s
